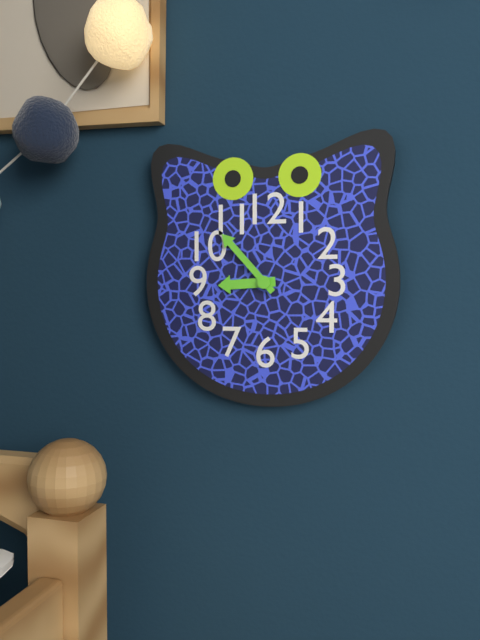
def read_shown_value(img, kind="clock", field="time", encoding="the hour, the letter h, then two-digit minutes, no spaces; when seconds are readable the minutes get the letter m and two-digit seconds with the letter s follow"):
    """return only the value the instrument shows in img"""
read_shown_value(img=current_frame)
8h53
